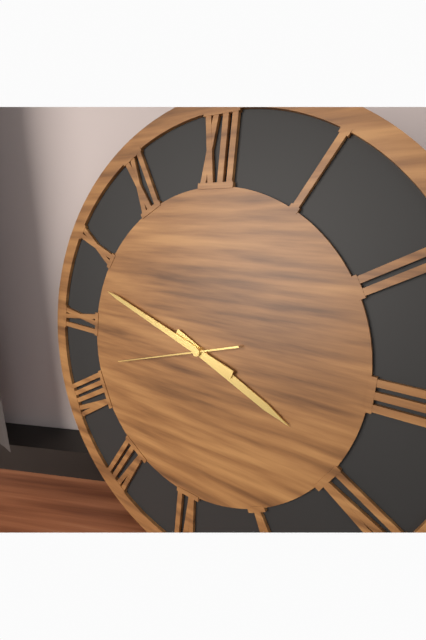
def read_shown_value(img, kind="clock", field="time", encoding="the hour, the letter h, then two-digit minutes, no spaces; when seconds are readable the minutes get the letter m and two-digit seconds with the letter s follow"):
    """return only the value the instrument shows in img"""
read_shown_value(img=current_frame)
3h48m42s
